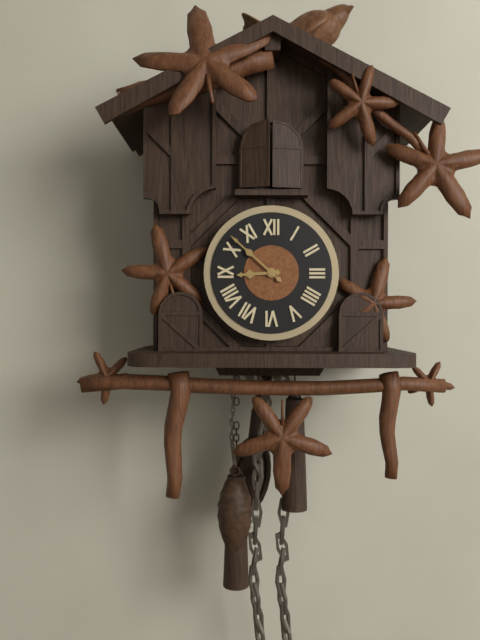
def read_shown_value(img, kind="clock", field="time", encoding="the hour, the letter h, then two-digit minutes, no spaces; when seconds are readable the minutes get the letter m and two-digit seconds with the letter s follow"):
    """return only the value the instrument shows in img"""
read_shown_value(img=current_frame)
8h52
